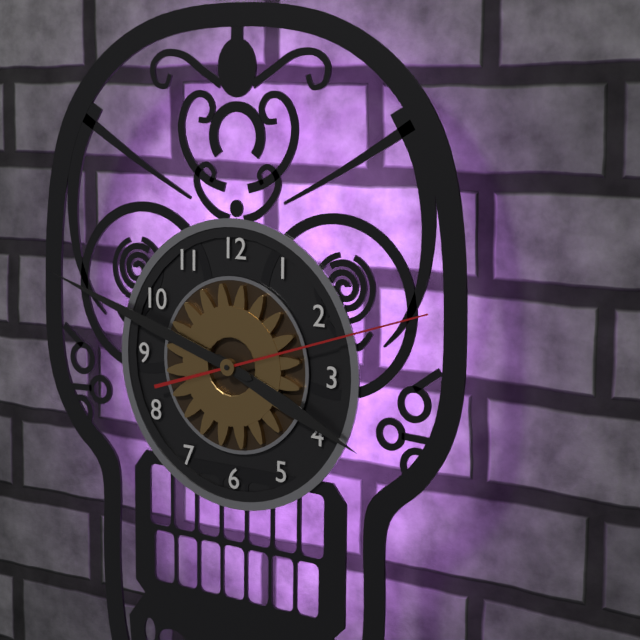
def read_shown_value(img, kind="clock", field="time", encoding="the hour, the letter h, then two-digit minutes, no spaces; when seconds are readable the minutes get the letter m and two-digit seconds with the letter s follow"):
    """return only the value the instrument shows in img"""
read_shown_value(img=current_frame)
3h48m12s
